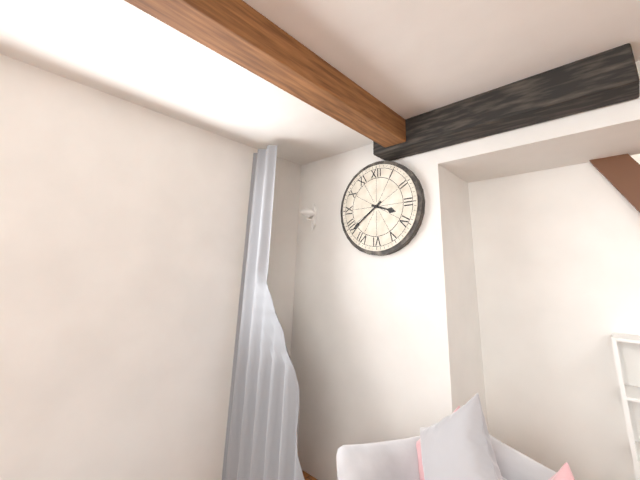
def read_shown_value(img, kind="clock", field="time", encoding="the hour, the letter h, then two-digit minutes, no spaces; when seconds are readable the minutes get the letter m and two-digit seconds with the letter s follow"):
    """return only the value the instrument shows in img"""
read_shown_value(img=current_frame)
3h39
